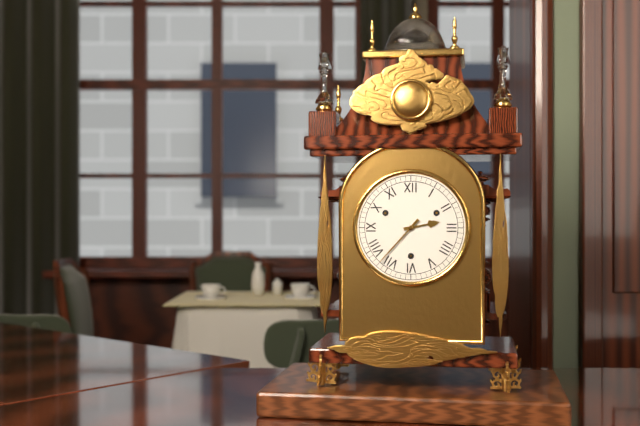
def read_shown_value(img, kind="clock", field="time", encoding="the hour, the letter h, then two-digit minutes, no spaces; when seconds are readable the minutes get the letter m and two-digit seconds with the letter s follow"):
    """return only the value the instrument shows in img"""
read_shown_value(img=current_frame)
2h37
